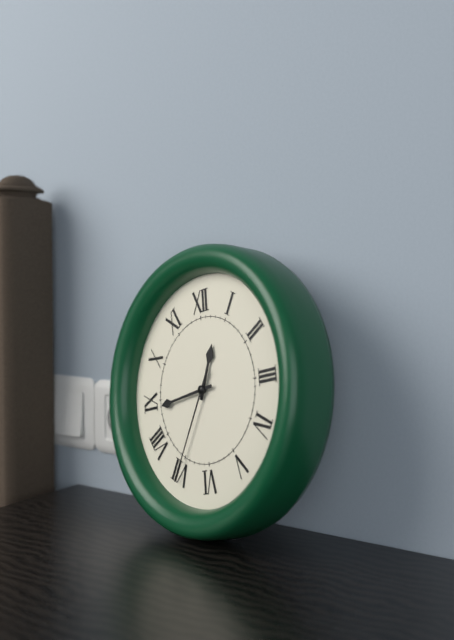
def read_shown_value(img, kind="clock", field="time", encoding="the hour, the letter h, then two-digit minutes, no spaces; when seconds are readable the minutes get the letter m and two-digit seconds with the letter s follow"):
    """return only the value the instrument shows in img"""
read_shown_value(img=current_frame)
12h44m35s
